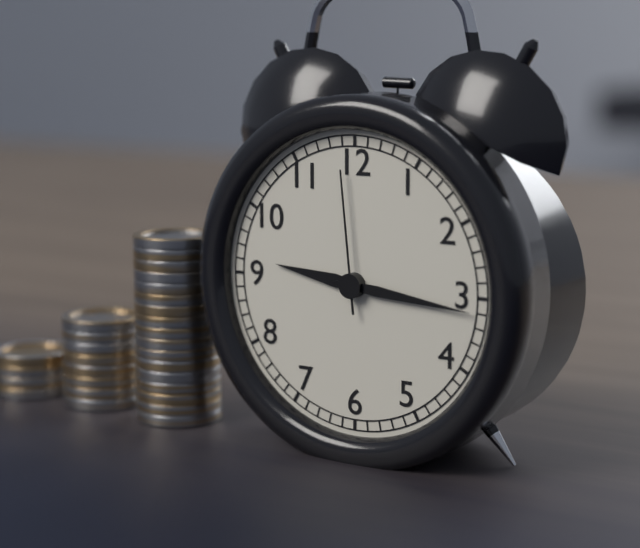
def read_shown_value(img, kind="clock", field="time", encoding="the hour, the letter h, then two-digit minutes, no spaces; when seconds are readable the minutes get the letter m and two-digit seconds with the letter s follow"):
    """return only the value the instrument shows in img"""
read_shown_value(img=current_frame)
9h16m59s
